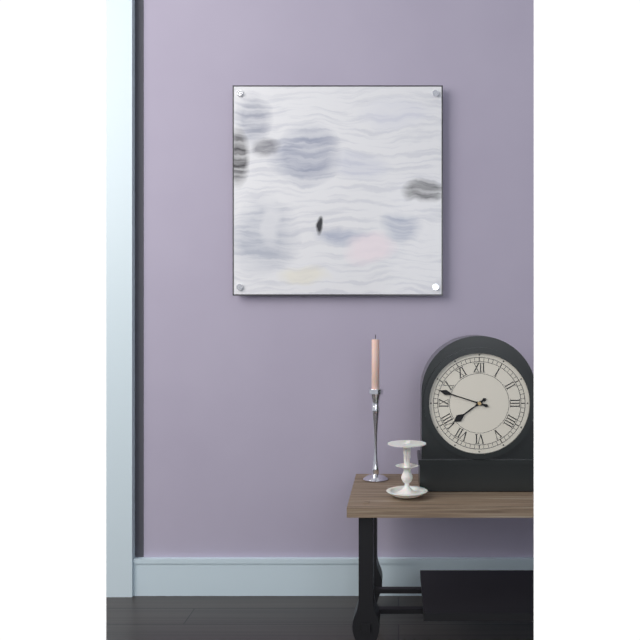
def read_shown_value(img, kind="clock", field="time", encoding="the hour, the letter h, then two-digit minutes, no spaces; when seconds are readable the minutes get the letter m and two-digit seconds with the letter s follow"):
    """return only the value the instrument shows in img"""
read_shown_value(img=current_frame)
7h48
